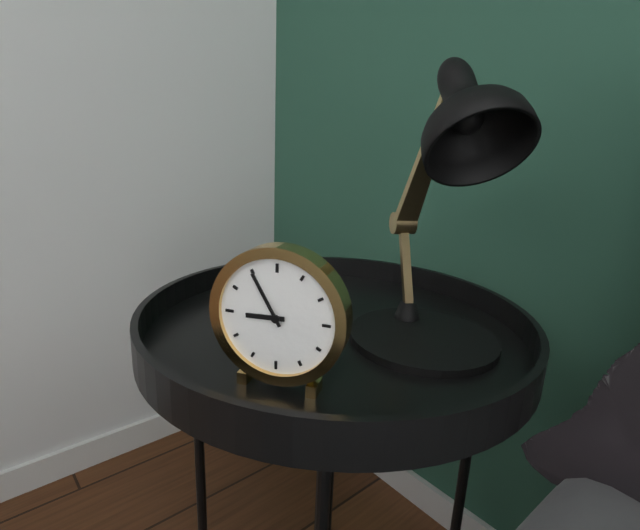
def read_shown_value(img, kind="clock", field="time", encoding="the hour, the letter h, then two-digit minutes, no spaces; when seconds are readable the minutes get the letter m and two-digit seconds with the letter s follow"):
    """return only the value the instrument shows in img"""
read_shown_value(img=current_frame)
8h55
